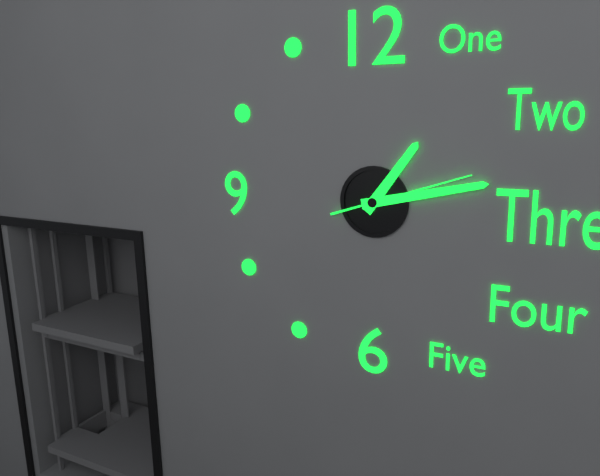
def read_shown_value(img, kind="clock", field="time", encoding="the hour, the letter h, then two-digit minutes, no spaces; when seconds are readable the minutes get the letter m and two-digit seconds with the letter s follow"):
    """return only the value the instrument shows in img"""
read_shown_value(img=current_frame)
1h13m12s
